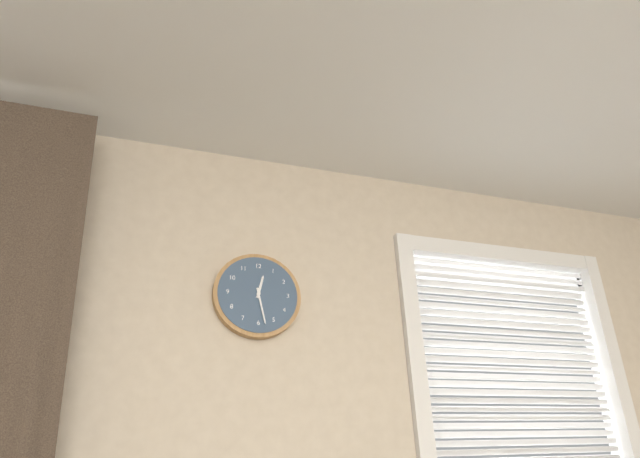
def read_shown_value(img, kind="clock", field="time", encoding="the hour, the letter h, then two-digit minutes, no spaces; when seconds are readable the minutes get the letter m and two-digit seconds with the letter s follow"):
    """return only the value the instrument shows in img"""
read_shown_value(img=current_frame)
12h28
